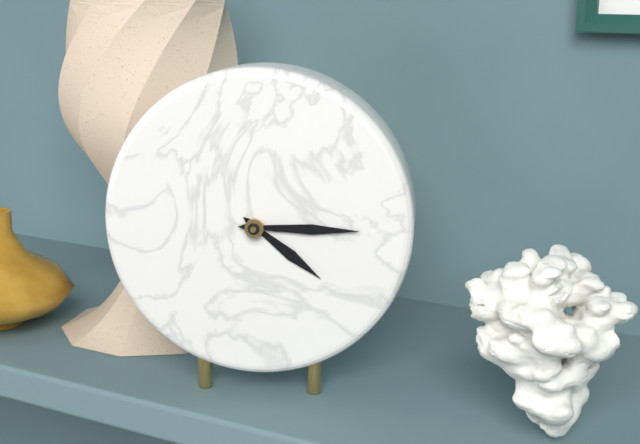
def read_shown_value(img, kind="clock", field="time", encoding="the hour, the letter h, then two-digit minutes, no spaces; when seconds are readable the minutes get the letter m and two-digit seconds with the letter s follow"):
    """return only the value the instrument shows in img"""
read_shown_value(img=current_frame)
4h15
